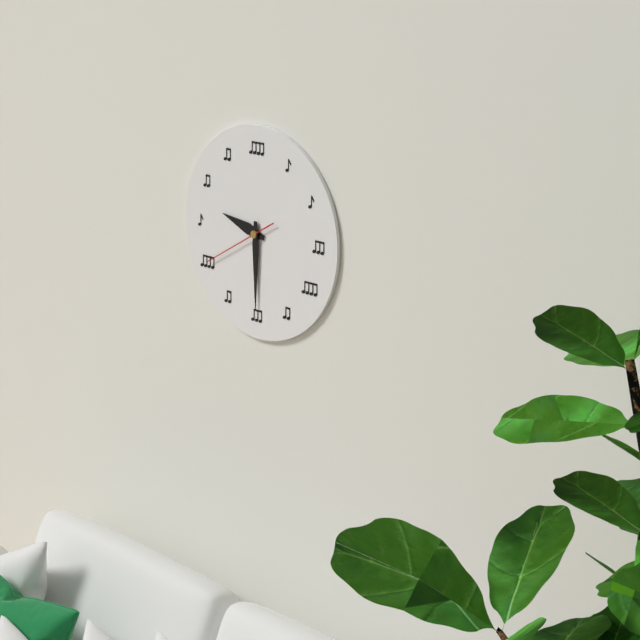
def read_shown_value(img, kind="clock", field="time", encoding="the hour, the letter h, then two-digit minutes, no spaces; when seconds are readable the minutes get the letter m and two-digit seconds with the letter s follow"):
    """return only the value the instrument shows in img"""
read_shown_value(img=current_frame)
9h30m40s
